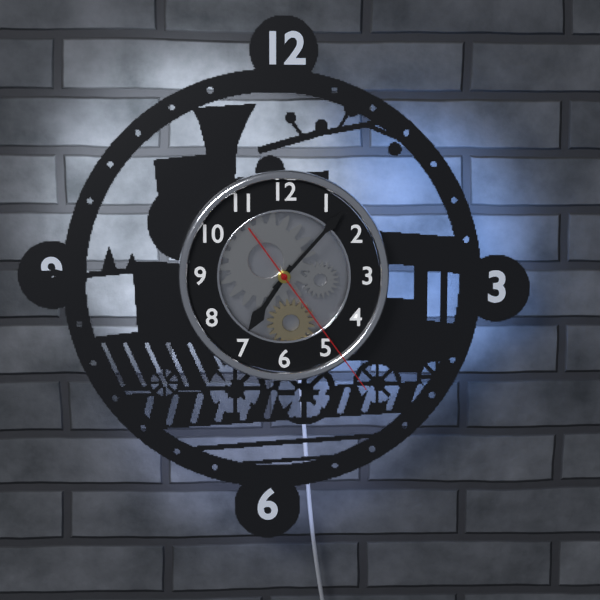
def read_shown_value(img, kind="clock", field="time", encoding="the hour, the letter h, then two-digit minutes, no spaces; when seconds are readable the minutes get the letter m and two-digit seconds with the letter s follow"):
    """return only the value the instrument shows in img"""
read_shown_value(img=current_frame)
7h07m24s
